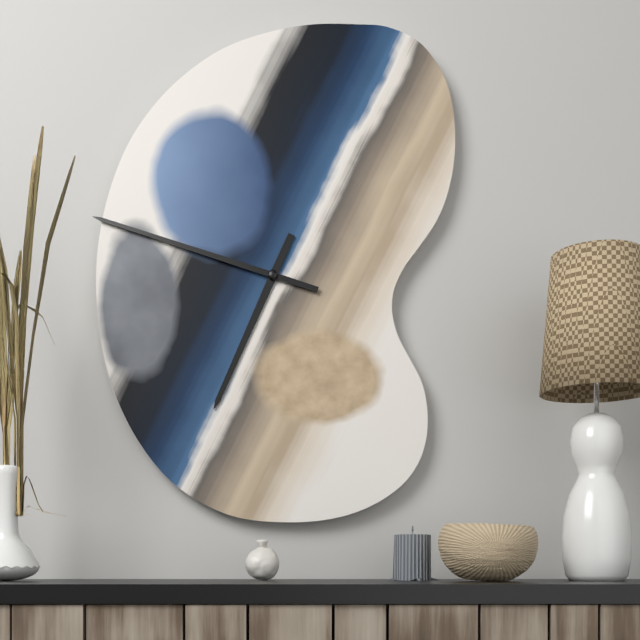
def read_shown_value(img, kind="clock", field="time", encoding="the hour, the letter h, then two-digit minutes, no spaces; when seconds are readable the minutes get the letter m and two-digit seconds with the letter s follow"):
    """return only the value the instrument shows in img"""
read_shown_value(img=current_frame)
6h48
